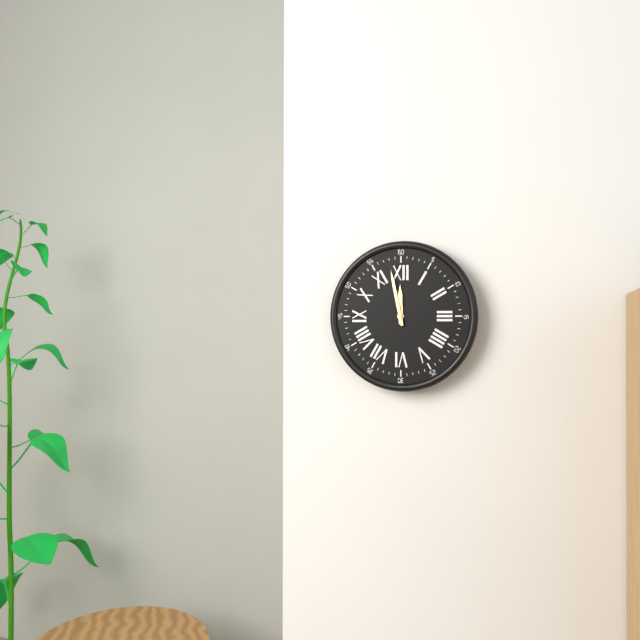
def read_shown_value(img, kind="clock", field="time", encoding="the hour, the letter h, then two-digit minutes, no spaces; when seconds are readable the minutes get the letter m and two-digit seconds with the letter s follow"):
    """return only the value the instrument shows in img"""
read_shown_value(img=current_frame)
11h58
